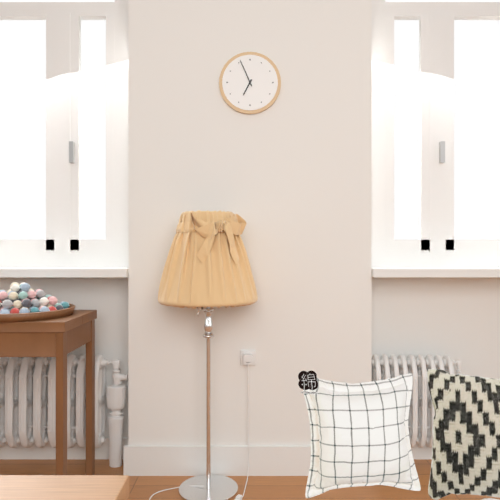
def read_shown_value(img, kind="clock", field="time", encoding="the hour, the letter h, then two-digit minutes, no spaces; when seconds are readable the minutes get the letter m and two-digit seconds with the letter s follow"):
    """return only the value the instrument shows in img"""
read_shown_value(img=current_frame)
6h56
